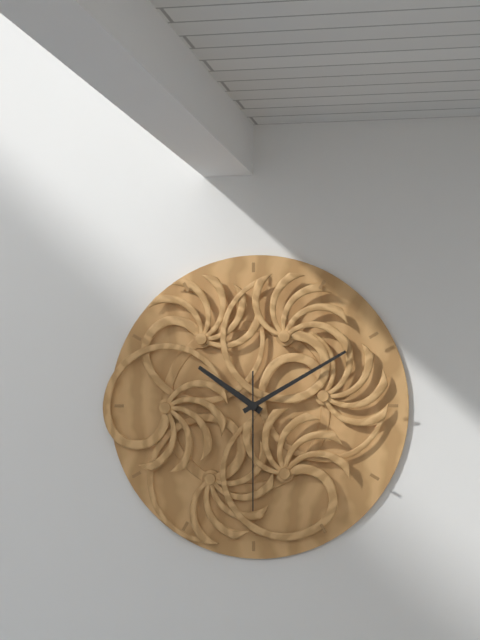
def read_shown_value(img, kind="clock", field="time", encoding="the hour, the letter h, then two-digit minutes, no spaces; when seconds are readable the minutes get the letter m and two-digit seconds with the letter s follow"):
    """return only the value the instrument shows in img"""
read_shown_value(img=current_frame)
10h10m30s
